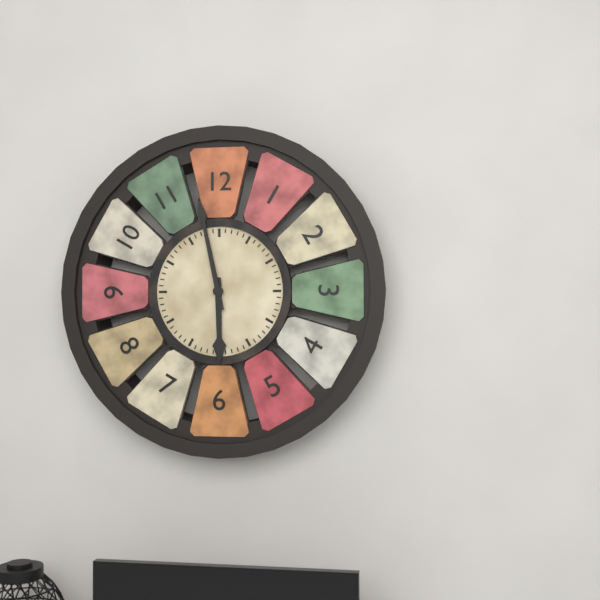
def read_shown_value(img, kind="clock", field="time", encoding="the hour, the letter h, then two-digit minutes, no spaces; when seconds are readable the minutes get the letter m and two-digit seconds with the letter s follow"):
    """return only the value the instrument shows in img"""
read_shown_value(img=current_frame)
5h58
